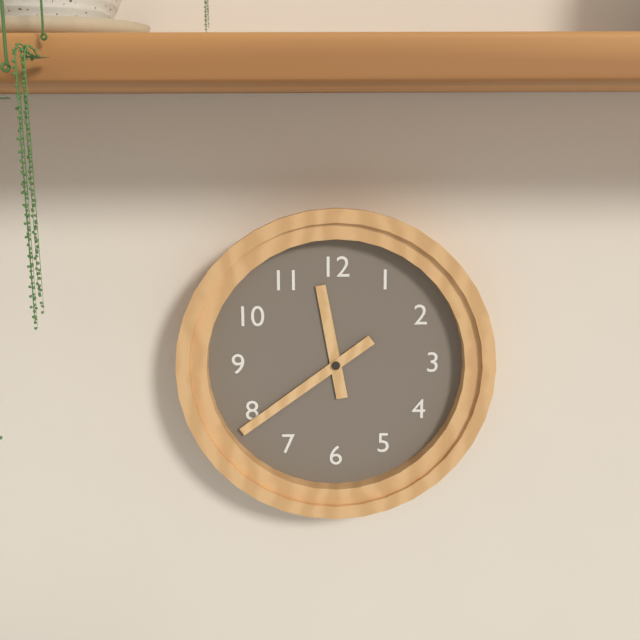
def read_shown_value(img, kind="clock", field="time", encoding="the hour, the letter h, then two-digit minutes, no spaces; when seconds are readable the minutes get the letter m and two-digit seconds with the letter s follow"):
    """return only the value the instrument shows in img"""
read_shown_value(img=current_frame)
11h39
